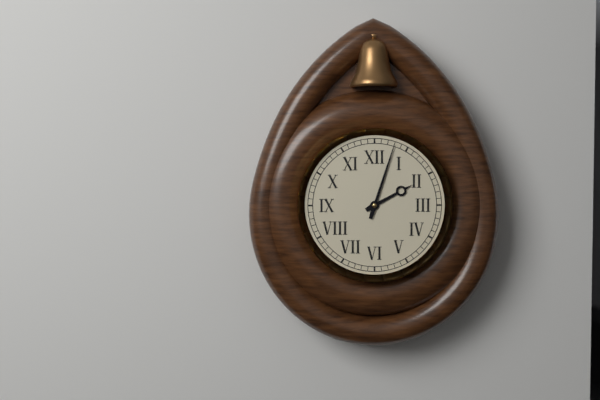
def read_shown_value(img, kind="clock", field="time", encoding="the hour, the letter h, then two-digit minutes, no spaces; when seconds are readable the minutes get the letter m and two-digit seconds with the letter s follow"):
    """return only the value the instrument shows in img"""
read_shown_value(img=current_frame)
2h03
